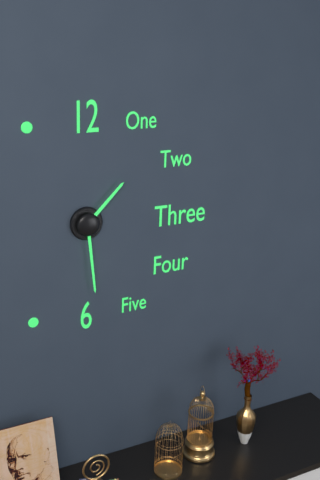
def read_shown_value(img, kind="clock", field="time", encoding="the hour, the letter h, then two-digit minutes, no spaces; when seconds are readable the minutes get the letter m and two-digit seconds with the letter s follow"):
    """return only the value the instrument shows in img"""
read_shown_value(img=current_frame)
1h29
